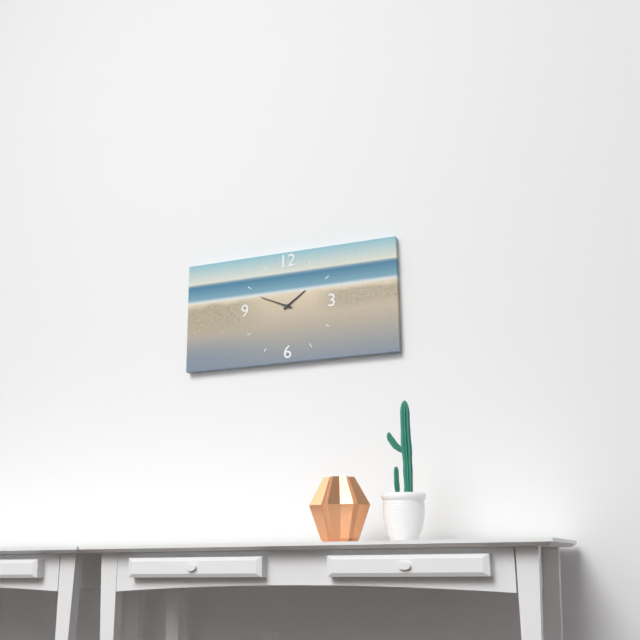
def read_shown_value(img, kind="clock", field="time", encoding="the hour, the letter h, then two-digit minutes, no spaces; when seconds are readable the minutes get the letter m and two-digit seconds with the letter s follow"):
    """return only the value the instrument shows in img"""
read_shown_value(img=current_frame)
1h49
